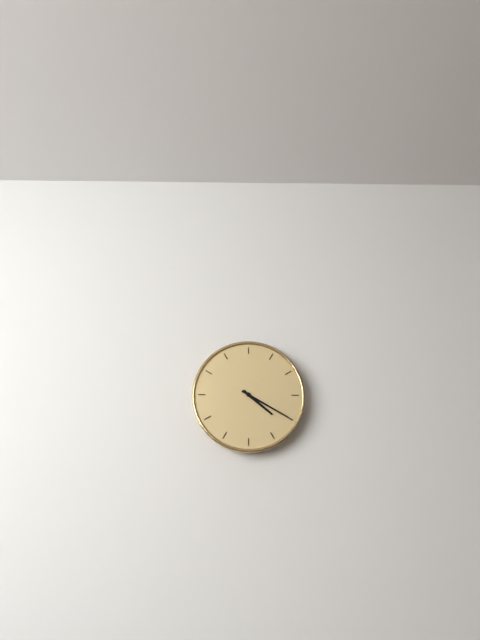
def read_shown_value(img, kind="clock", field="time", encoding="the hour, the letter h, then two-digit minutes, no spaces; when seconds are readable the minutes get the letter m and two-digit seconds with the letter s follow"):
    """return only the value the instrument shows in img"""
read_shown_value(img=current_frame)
4h20
